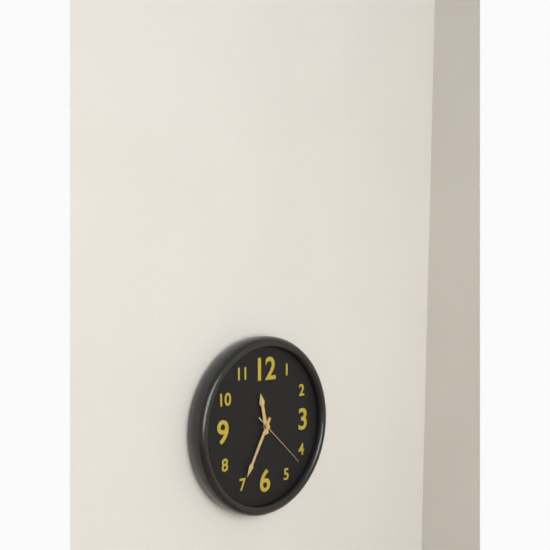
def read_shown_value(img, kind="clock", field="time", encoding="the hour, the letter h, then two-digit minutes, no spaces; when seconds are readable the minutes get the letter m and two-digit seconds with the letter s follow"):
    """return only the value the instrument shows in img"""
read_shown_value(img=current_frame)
11h35m22s
